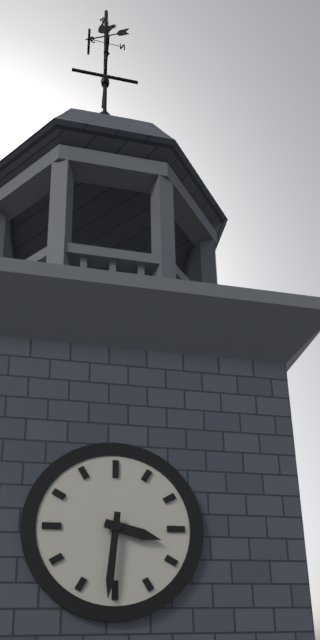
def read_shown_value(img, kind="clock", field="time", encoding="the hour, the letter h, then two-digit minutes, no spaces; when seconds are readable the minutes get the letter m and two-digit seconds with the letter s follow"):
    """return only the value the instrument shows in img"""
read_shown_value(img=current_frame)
3h31
